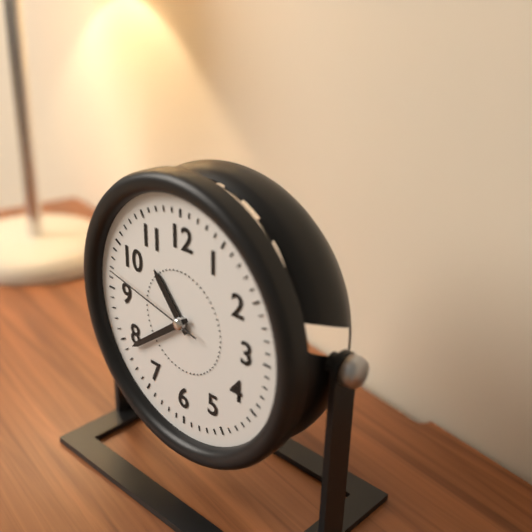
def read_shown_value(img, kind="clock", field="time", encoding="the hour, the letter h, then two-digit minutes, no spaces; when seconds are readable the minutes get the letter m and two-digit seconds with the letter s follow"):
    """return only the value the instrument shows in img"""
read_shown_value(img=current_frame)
10h39m47s
